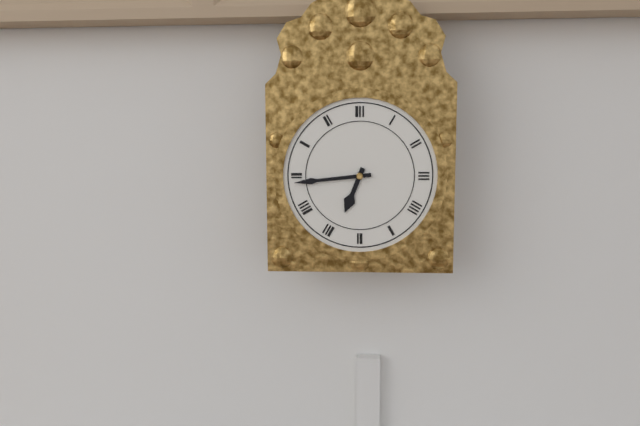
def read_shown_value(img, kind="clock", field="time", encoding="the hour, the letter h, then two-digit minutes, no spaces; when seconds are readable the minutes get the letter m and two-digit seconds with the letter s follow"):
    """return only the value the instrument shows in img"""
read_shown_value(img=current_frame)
6h44
